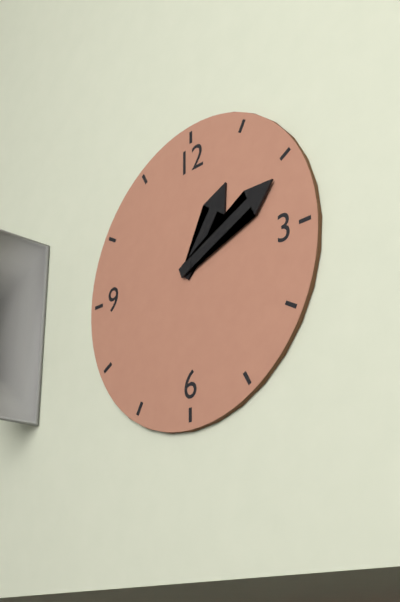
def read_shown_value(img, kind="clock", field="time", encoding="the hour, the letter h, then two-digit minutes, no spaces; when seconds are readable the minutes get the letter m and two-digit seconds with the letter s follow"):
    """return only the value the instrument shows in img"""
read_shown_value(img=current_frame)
1h11
